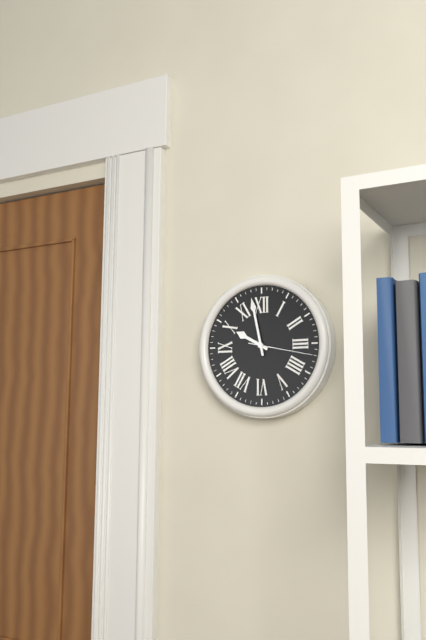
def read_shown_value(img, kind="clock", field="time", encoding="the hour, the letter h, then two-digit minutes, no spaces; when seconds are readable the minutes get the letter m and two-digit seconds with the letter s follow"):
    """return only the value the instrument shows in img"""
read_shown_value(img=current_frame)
9h58m17s
